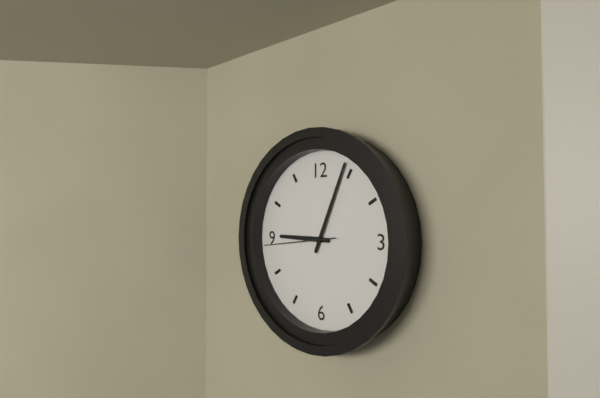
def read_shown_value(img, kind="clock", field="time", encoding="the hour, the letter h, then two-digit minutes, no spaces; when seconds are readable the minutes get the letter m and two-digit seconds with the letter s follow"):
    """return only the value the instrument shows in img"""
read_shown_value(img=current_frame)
9h04m44s
